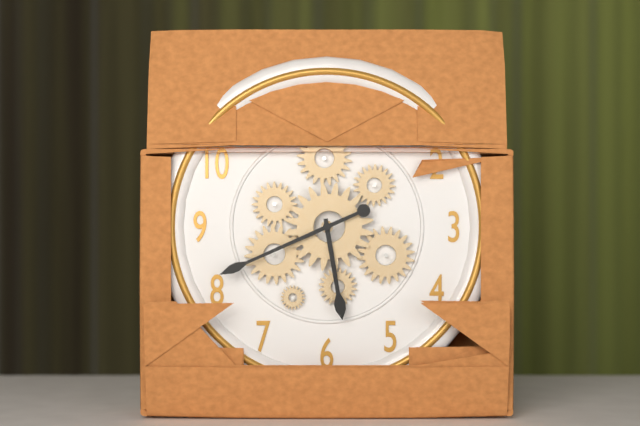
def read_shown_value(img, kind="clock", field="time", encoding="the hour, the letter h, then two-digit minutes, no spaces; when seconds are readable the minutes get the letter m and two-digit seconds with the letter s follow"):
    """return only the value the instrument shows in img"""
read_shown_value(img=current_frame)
5h41
